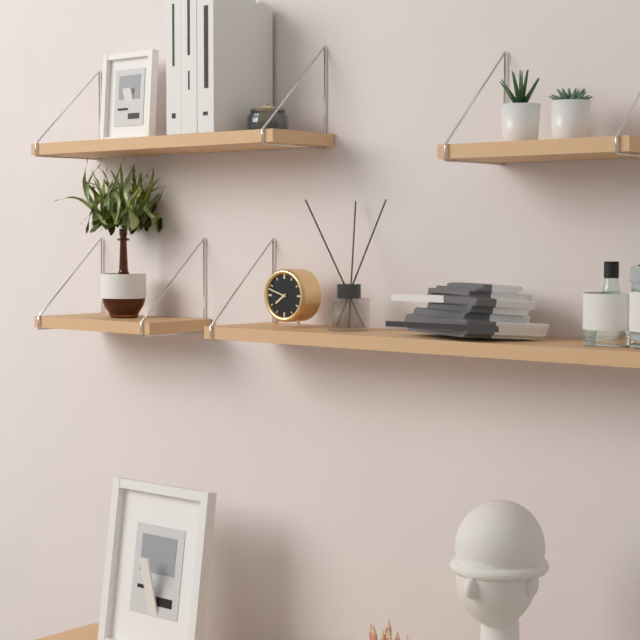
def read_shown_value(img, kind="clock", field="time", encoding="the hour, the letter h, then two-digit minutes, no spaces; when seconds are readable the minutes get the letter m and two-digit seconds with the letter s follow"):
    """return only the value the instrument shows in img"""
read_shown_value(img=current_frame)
7h48
